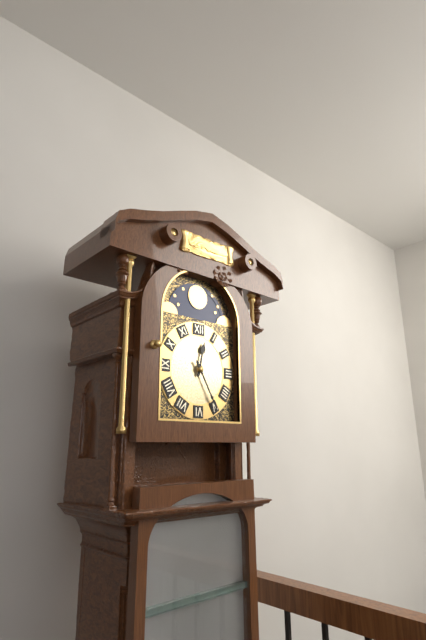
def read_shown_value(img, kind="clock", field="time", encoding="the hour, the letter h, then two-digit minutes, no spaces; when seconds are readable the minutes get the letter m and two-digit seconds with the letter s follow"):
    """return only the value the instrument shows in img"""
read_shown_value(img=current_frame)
12h25
